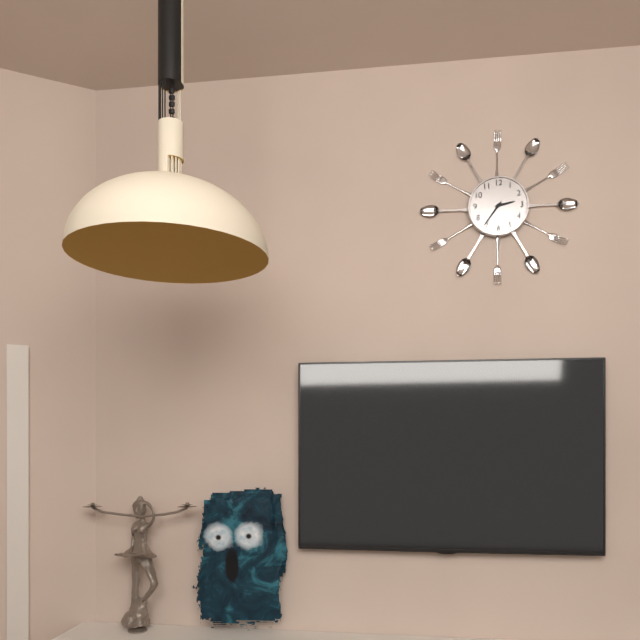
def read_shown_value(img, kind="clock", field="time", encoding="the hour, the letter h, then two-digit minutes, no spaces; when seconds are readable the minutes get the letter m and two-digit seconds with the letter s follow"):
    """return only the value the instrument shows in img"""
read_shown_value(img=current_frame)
2h36
